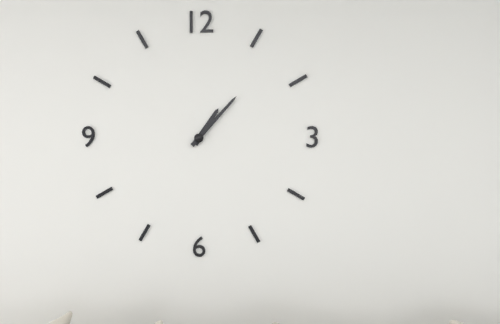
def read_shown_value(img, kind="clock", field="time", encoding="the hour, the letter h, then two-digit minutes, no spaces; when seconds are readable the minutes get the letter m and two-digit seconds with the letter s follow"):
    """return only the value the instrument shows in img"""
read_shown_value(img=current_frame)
1h07
